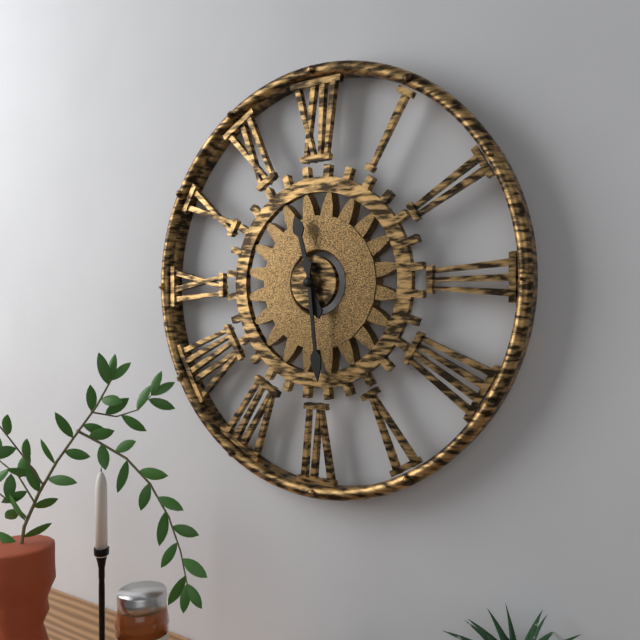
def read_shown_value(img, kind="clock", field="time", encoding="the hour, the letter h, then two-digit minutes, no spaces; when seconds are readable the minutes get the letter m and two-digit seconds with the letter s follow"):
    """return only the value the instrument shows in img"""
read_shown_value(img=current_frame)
11h29
